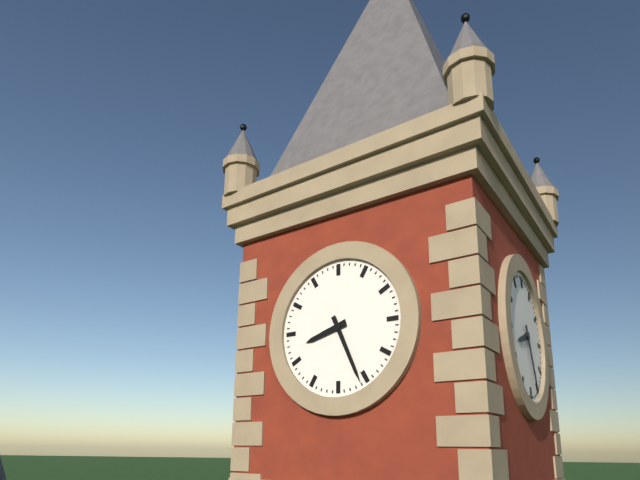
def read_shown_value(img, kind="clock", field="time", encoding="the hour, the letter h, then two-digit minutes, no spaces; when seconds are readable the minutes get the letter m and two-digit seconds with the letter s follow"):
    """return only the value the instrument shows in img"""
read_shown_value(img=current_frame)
8h26
